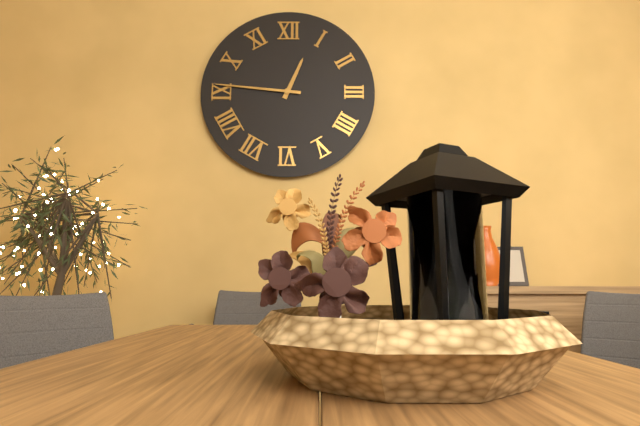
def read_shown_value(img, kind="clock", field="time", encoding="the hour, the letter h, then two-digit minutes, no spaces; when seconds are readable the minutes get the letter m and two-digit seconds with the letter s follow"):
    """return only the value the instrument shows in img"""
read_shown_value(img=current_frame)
12h46
